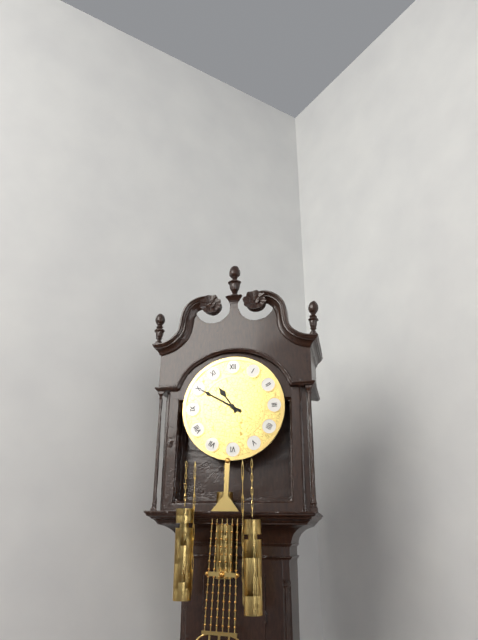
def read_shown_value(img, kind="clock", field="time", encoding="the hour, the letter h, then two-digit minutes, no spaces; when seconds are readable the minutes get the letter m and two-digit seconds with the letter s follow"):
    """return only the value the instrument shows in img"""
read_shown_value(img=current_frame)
10h50
